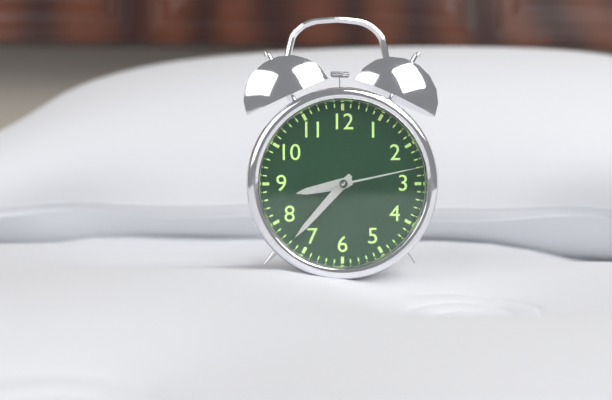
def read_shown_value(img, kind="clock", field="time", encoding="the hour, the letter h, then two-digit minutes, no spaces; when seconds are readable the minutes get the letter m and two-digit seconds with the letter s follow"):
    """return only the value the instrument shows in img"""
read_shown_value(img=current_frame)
8h37m13s
